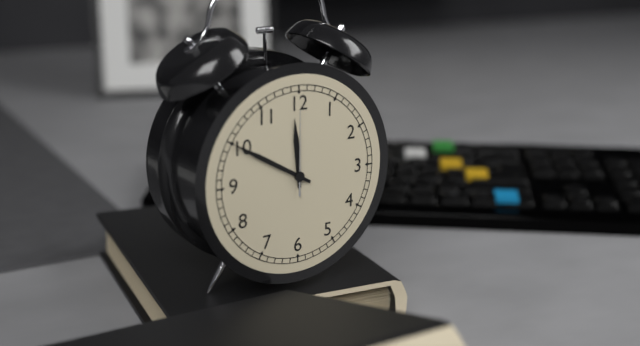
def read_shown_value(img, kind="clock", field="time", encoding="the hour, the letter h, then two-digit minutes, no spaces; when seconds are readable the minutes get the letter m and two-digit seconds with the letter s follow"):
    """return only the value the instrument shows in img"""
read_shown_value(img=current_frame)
11h50m00s
